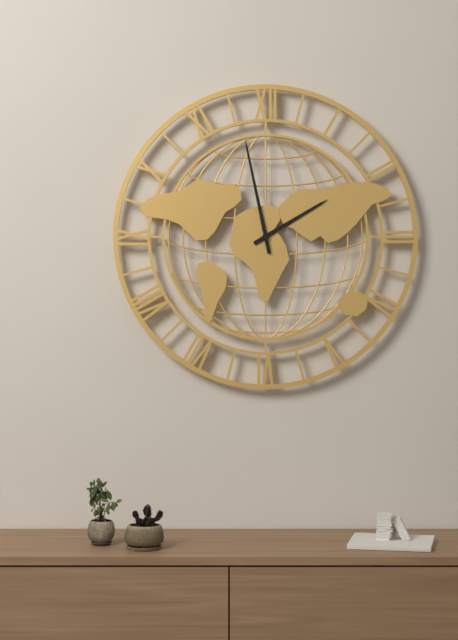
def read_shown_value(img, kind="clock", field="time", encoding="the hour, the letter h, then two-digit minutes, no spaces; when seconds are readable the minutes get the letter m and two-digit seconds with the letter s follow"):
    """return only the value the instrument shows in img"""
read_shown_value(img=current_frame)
1h58
